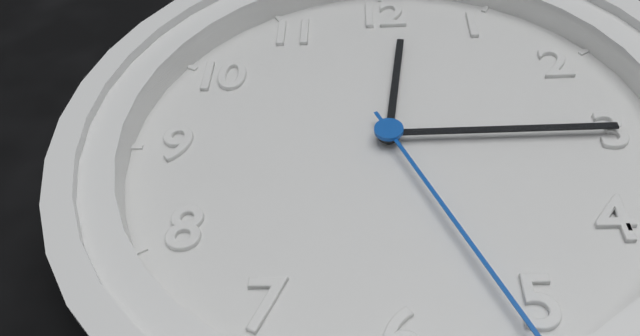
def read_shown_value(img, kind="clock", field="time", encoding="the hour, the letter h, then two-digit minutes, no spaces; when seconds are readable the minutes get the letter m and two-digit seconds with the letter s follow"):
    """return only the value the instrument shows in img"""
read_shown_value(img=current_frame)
12h15
